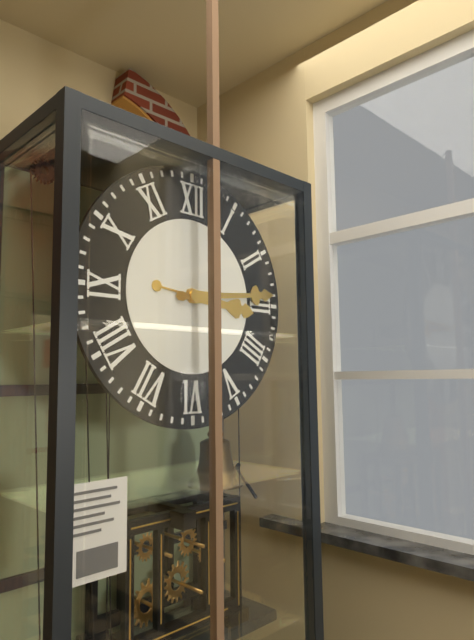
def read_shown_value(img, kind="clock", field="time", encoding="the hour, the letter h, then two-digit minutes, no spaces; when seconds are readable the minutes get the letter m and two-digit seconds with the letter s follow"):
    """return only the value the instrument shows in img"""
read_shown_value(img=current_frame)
3h14
